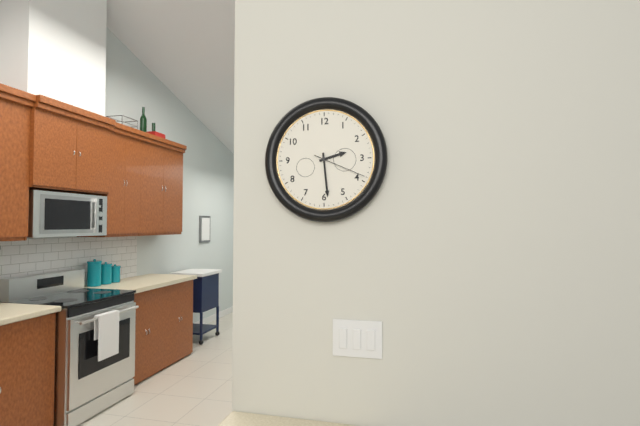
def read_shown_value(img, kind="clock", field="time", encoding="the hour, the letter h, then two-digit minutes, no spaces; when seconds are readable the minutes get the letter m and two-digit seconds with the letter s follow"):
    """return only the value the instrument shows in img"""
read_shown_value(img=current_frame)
2h29m19s
